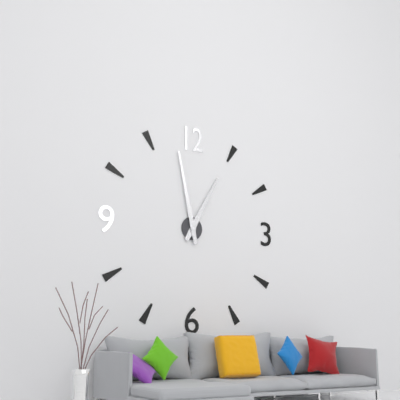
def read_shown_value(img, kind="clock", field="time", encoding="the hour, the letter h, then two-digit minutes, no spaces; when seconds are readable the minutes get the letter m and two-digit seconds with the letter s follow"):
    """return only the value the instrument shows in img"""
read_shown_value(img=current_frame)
12h58
